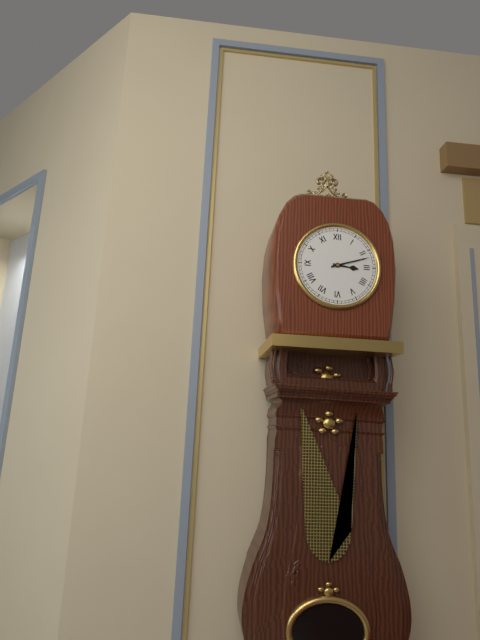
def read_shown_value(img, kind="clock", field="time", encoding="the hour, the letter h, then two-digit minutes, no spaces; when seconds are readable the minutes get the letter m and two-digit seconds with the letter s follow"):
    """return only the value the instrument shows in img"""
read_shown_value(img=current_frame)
3h12
